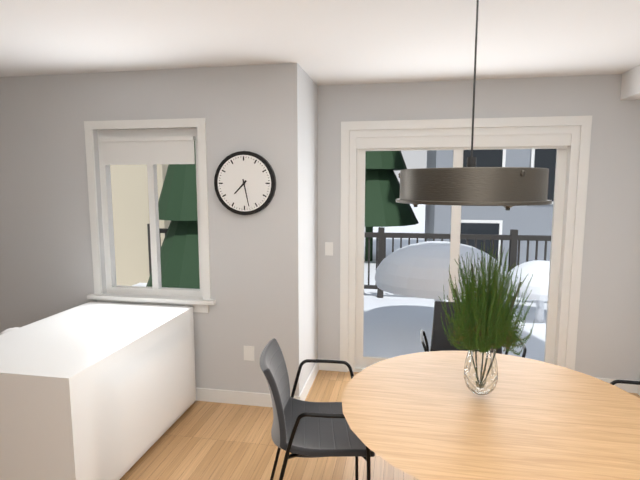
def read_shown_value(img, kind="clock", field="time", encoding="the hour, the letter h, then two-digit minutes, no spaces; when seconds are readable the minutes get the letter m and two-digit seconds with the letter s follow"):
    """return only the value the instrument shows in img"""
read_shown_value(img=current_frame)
7h28
